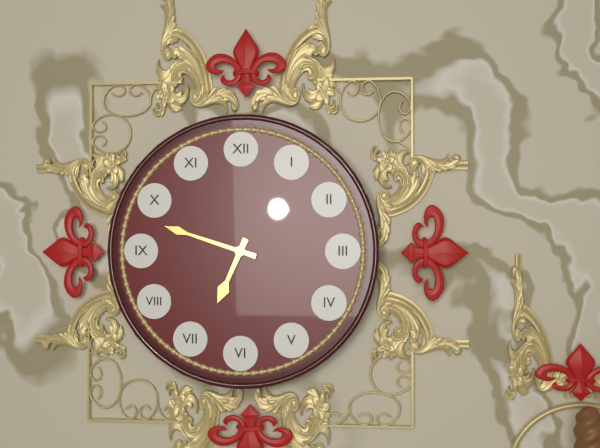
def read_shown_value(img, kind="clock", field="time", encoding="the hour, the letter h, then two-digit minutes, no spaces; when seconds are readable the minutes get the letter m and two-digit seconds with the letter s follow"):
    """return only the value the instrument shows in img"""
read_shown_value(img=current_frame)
6h48
